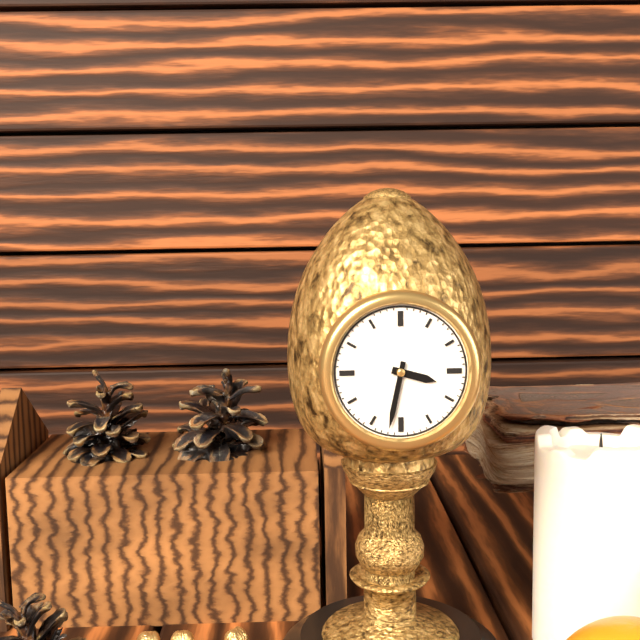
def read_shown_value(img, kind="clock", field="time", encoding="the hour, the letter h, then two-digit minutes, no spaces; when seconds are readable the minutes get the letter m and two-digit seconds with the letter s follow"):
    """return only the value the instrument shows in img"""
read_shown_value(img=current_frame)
3h32
